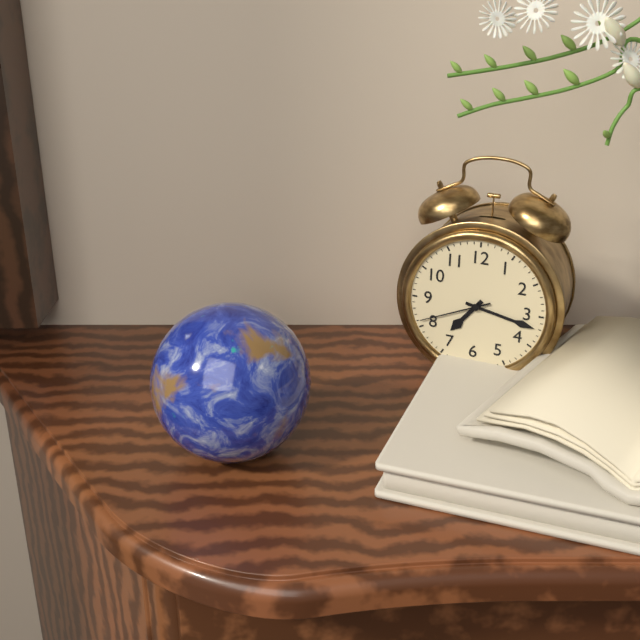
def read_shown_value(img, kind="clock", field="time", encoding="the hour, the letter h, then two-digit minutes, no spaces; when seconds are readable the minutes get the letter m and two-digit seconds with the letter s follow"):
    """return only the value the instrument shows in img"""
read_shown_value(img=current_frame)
7h17m41s
